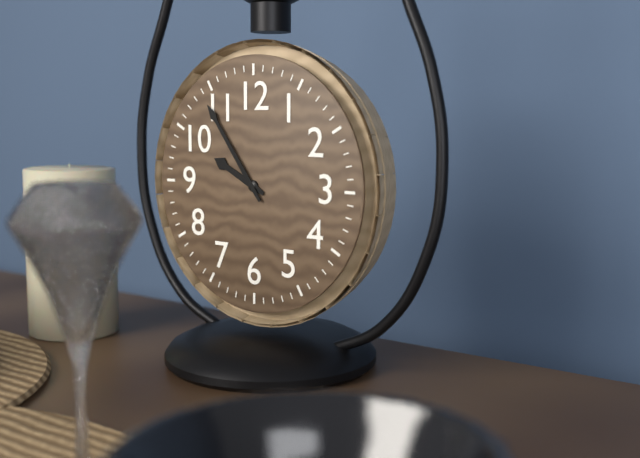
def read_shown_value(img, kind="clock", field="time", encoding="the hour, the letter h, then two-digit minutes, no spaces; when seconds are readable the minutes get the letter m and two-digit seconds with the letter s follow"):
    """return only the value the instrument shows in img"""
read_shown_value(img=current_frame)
9h54
